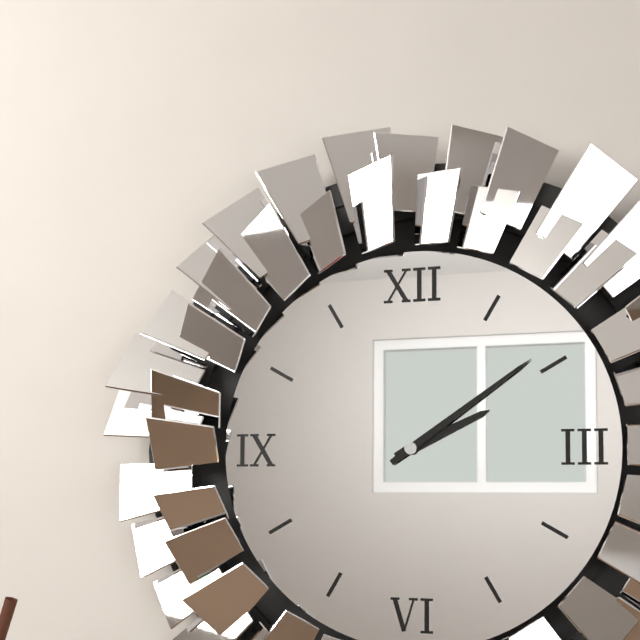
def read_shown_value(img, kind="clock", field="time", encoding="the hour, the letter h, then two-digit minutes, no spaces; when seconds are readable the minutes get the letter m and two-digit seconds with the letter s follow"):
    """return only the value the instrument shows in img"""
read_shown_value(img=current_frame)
2h09
